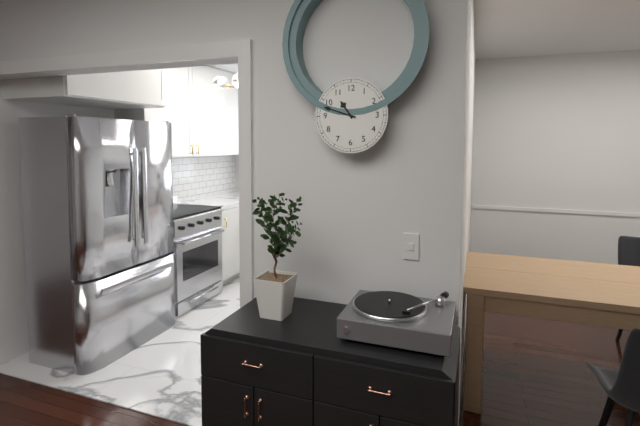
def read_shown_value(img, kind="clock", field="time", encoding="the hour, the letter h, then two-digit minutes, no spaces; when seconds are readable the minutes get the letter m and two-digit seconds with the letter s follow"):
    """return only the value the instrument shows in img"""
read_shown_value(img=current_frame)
10h48
